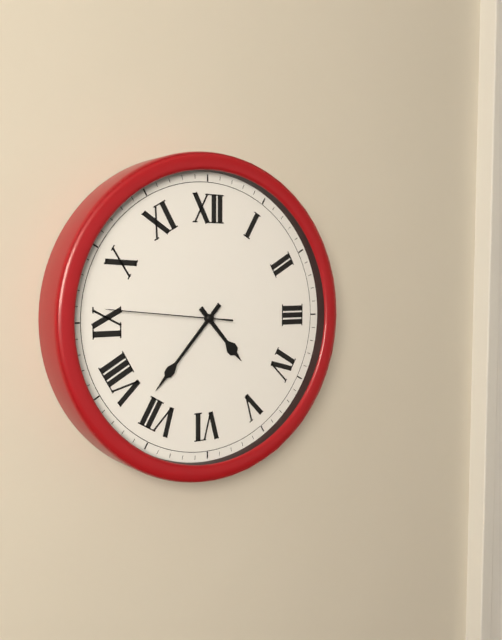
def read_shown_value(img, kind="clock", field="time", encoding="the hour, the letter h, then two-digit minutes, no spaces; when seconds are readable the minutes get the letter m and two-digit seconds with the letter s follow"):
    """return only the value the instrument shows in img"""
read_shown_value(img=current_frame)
4h37m46s
